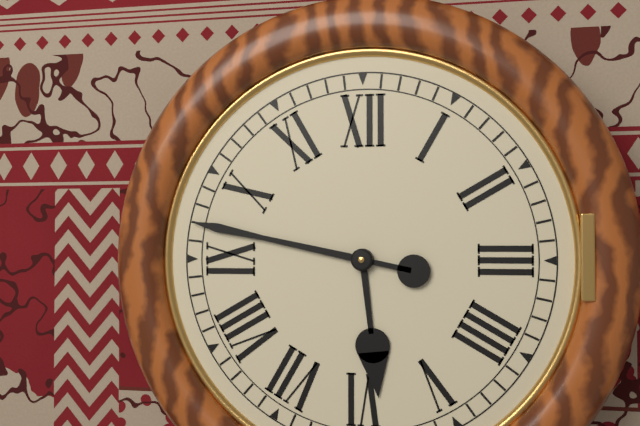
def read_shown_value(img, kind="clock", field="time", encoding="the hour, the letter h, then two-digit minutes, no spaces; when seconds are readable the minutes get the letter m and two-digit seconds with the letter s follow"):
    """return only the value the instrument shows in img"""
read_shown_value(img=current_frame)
5h47
